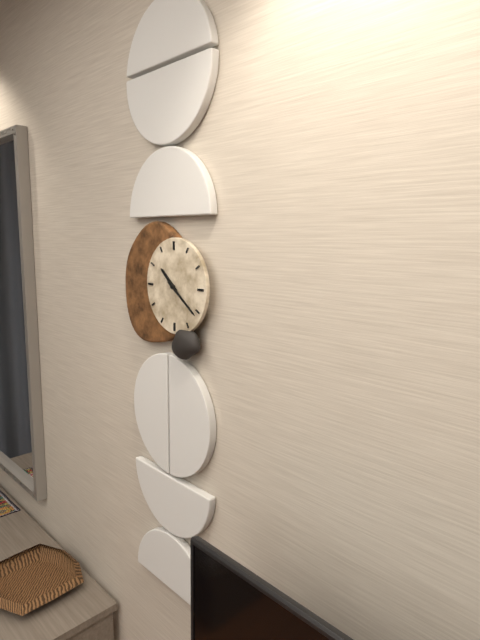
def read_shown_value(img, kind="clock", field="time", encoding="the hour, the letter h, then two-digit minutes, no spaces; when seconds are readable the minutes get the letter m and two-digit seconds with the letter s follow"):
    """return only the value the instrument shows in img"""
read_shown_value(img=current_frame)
10h21
